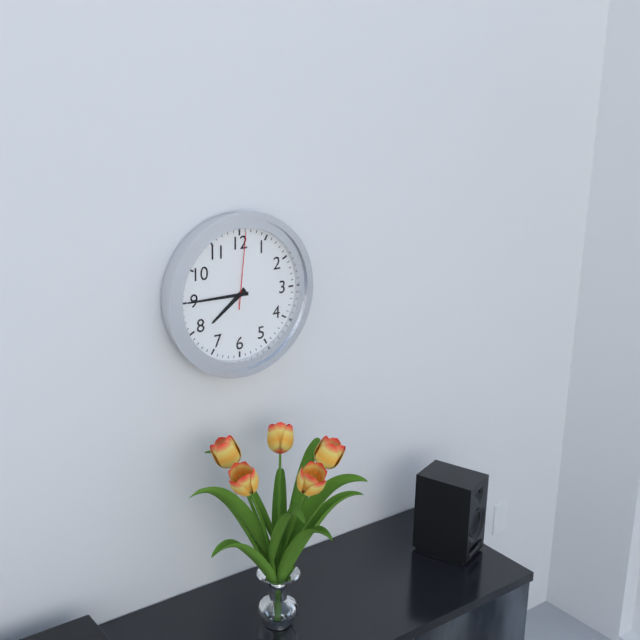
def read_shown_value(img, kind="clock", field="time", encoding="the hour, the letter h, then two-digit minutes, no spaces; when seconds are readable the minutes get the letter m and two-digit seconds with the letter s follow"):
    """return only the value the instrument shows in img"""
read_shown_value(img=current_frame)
7h45m01s
